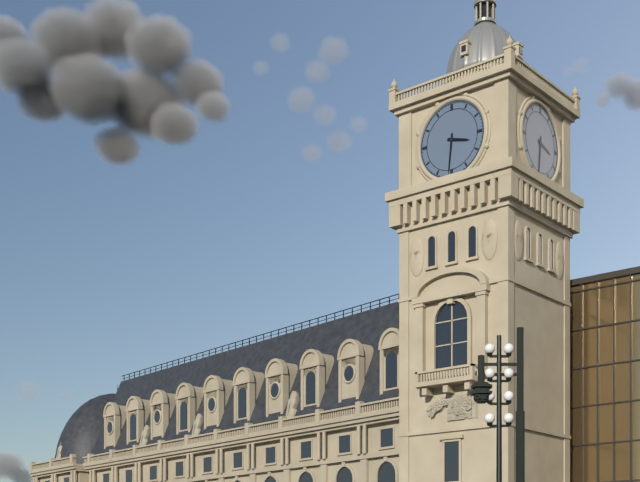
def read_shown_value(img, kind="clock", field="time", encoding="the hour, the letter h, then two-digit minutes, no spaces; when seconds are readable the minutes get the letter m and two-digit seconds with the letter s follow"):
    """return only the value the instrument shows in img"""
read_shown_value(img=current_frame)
3h31
